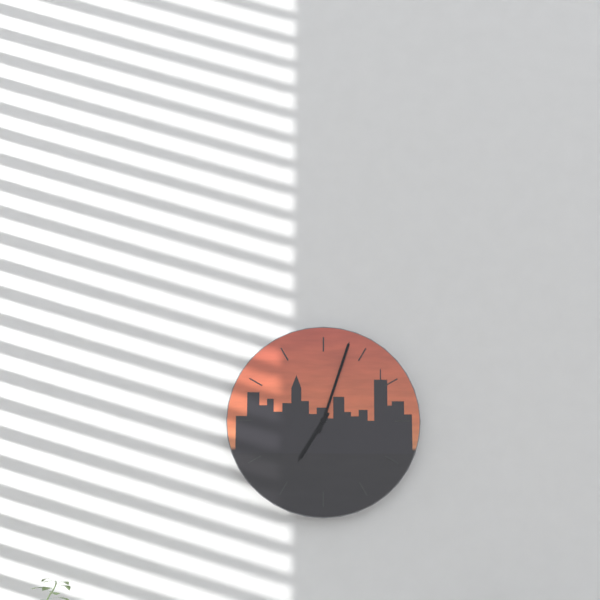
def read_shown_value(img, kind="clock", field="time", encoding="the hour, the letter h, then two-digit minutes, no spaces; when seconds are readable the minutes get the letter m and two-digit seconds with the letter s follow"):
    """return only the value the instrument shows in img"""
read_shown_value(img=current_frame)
7h03
